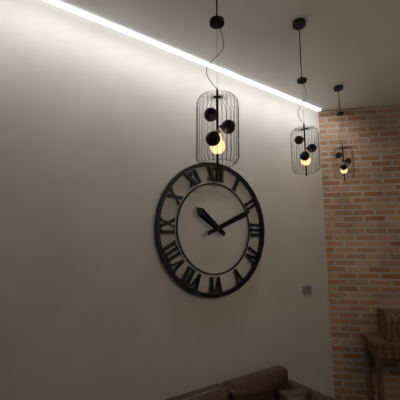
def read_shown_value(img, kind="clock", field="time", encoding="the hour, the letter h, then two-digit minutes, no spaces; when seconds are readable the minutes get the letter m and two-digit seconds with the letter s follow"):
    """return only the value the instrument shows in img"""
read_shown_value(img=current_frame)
10h11
